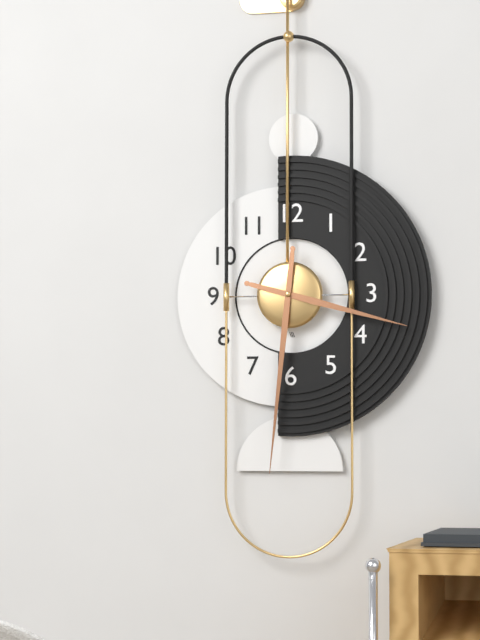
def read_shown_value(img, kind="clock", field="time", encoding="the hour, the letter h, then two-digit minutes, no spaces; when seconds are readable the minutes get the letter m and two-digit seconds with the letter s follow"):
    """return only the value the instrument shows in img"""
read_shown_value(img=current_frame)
3h31
